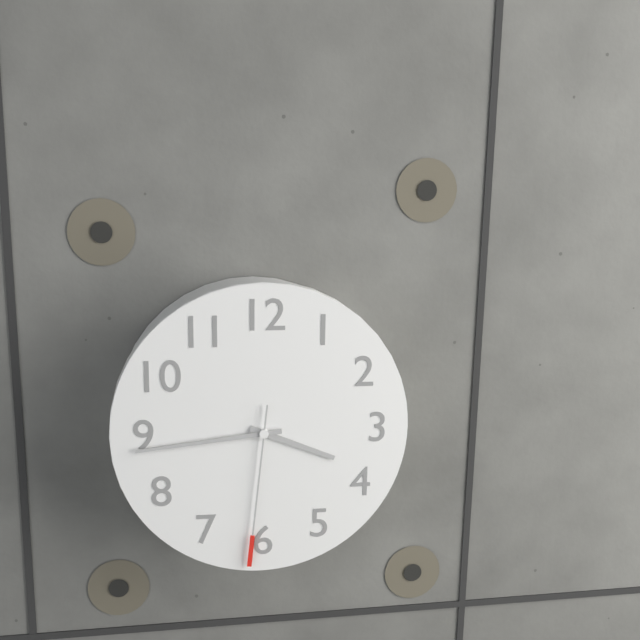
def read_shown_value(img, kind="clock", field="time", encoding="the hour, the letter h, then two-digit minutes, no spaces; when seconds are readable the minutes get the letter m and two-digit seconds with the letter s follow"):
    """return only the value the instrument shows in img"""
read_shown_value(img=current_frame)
3h44m31s
